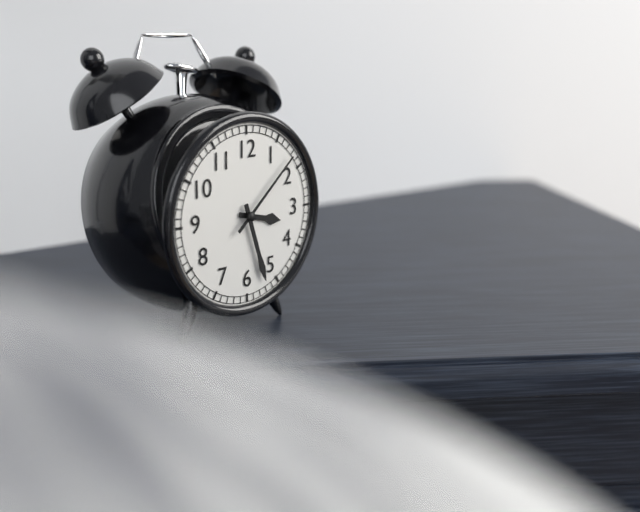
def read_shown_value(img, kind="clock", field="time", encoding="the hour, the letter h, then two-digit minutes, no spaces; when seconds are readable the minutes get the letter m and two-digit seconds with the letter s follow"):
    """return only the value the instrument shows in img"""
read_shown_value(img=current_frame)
3h27m08s
